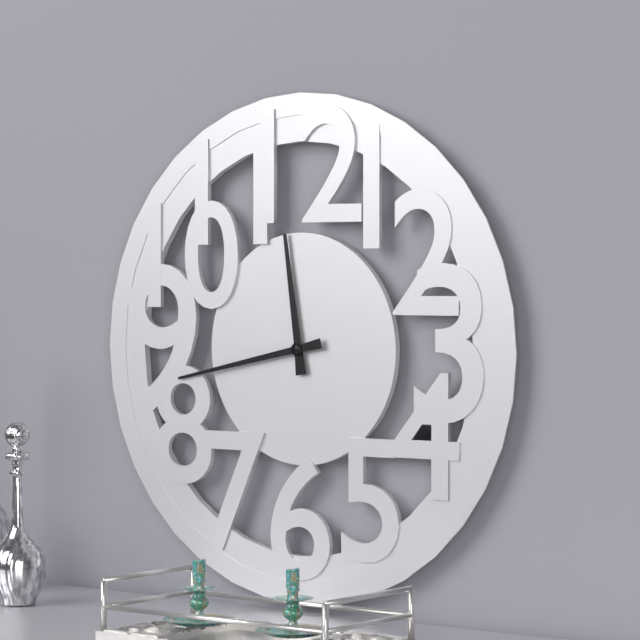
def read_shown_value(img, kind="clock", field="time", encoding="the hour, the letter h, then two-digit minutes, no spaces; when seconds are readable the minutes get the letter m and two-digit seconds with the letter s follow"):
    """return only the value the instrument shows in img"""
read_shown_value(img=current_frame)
11h43
